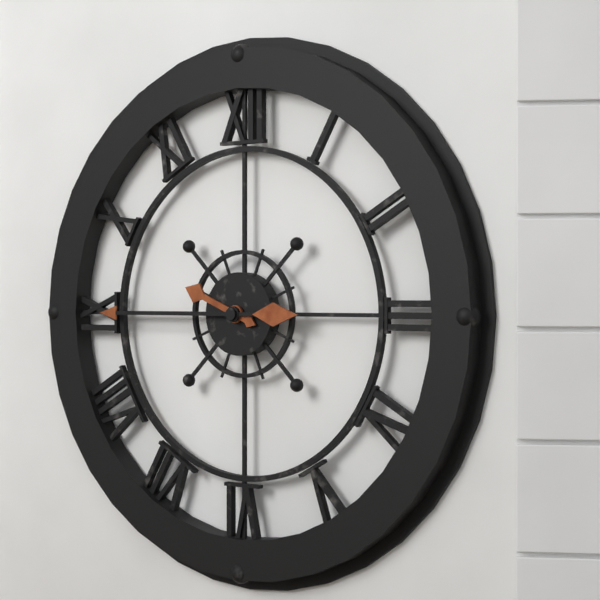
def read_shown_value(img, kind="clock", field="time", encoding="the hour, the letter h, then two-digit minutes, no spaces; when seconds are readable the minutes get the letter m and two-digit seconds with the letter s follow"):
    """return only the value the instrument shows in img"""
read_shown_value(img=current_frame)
9h45
